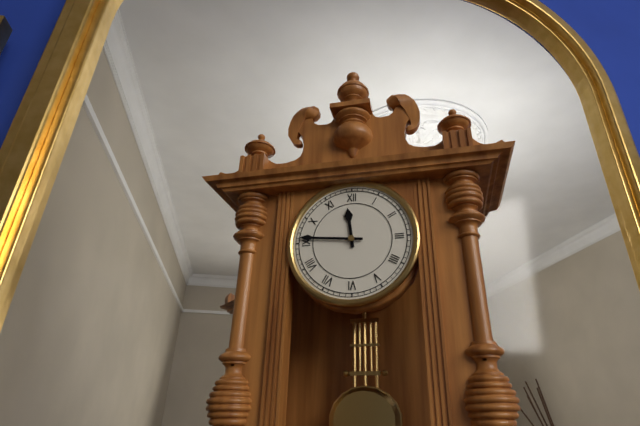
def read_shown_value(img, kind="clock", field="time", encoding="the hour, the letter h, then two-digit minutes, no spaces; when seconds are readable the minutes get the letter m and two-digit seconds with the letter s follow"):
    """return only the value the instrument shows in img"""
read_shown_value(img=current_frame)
11h46
